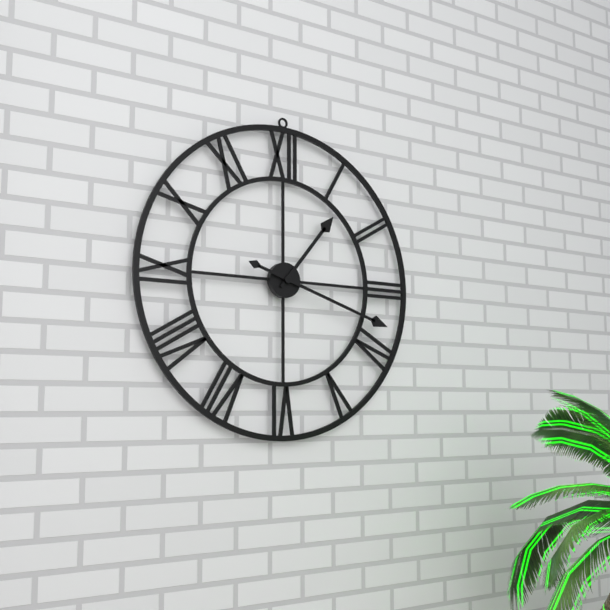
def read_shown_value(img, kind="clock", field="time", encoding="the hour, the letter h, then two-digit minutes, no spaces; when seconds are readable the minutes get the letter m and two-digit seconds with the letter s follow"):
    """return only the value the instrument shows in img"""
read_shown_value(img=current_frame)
1h18
